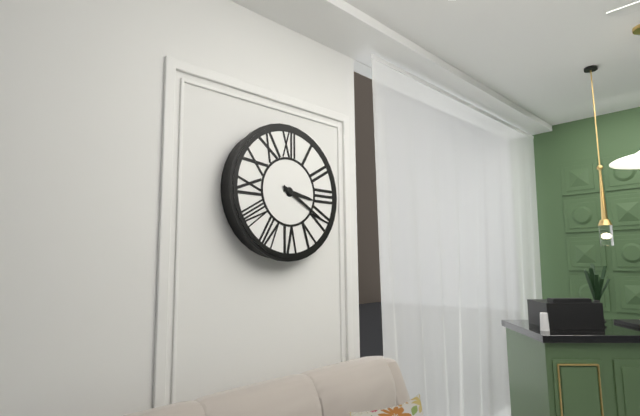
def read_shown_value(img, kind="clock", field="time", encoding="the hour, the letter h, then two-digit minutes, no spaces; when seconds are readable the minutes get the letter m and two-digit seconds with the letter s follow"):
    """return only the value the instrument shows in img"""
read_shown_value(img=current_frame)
3h20
